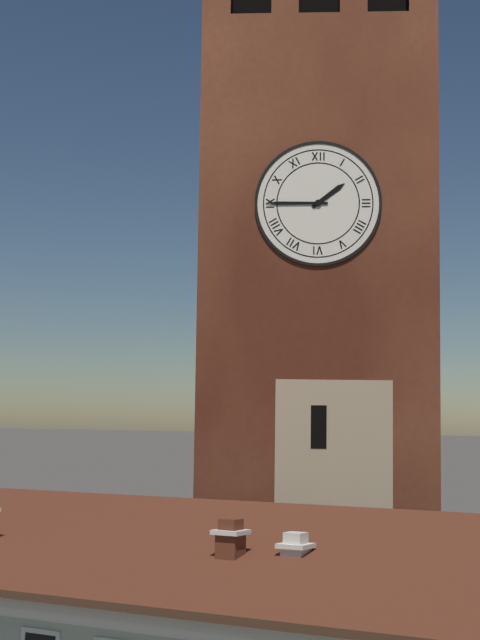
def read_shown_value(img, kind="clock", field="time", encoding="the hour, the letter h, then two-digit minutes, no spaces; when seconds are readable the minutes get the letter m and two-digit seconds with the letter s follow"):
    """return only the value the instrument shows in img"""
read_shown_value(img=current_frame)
1h45
